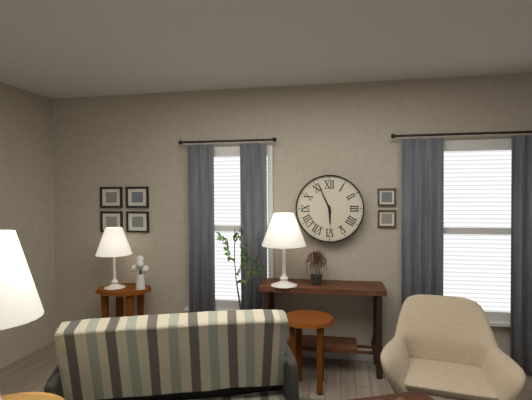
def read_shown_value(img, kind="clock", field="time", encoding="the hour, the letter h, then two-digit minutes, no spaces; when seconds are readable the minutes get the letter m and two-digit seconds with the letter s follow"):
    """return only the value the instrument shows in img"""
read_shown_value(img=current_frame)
5h56
